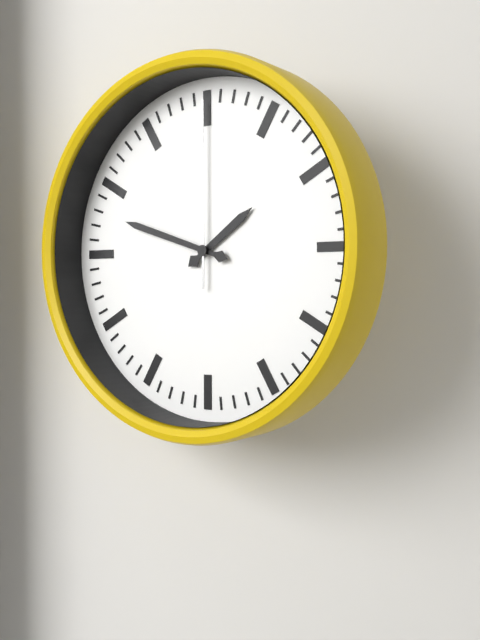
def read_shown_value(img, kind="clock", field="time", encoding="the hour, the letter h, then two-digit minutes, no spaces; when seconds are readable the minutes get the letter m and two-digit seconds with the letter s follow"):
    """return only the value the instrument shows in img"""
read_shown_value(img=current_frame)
1h48m00s
